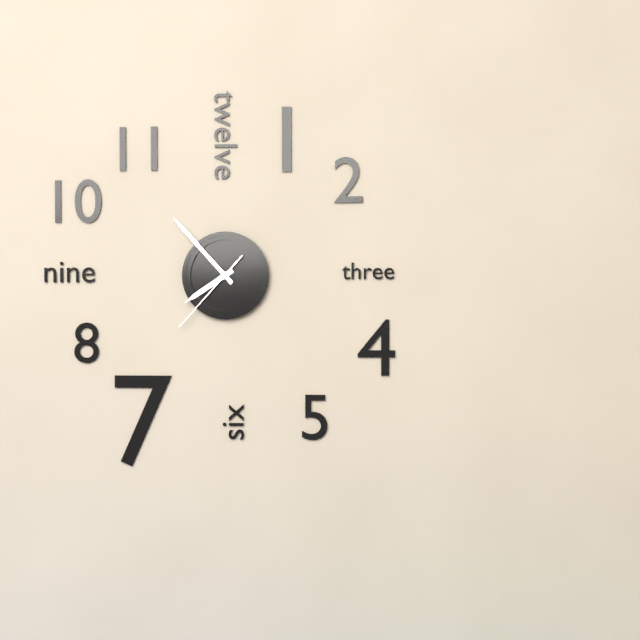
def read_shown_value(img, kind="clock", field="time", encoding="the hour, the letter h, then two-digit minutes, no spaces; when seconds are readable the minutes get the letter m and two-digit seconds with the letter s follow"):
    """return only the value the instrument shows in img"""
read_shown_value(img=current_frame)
7h53m37s
